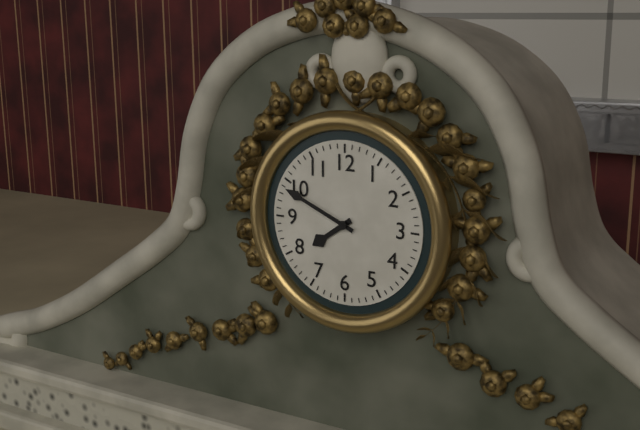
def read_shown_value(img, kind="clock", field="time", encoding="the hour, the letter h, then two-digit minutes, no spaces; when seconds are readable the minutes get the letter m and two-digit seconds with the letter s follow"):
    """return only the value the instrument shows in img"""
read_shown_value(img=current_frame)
7h49
